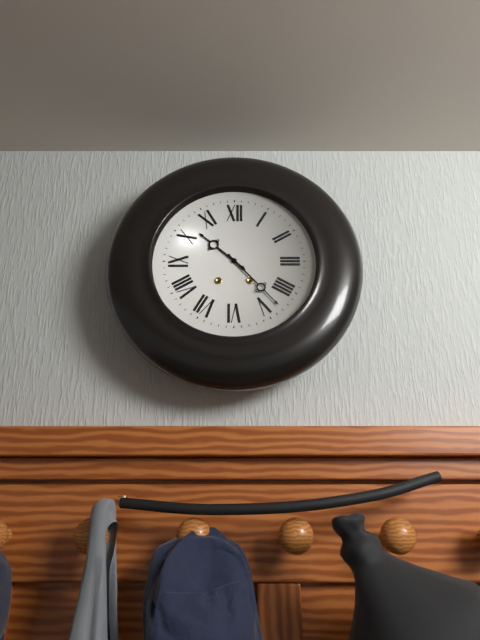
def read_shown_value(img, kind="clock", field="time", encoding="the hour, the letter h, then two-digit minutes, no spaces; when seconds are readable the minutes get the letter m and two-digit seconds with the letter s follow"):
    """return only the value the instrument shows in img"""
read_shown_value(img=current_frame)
10h23
